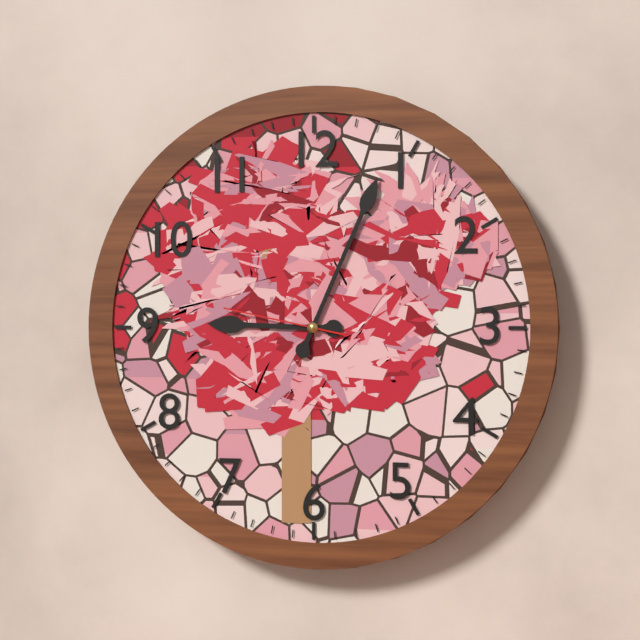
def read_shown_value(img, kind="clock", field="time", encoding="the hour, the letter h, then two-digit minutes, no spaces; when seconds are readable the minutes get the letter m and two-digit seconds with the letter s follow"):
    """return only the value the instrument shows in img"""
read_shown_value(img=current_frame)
9h04m47s
